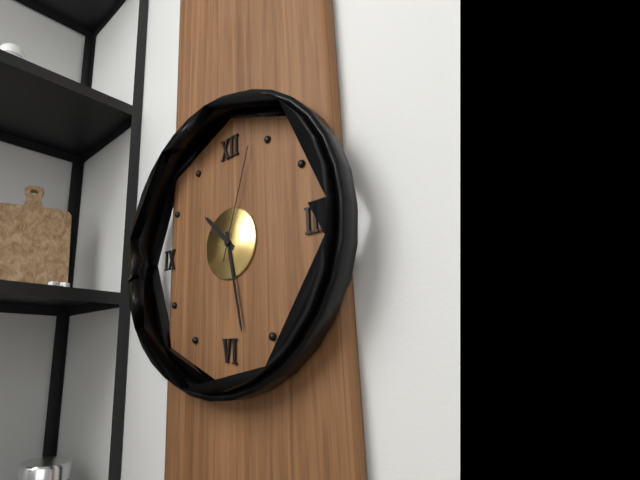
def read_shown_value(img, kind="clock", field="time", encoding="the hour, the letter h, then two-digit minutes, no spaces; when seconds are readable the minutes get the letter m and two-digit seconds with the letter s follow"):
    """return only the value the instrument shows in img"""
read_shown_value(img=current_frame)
10h28m03s
